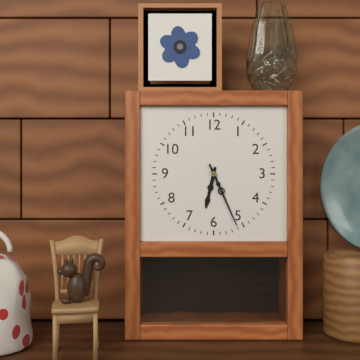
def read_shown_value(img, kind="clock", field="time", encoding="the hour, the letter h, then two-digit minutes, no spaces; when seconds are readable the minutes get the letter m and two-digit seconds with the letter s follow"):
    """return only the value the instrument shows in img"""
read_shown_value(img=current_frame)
6h26
